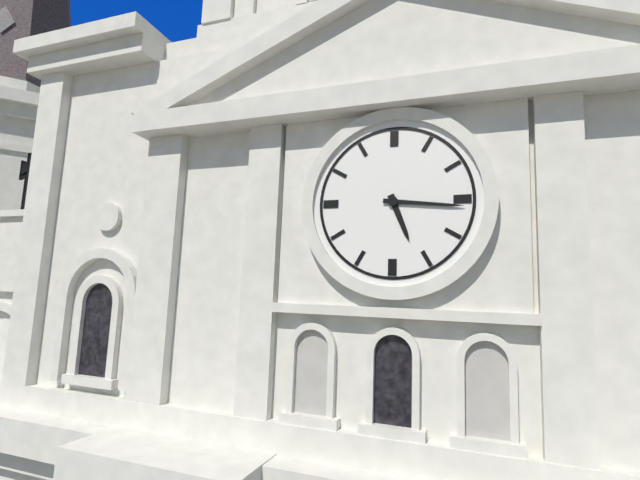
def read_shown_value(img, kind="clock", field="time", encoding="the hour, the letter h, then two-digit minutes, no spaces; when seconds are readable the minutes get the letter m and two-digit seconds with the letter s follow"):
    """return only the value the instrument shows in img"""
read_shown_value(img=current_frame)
5h16
